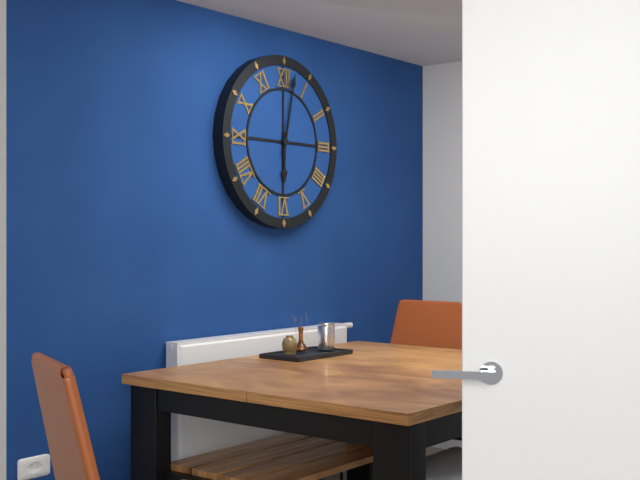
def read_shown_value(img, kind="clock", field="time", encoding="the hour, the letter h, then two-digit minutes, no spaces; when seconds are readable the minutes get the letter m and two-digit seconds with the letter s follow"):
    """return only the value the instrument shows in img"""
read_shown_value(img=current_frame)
6h02
